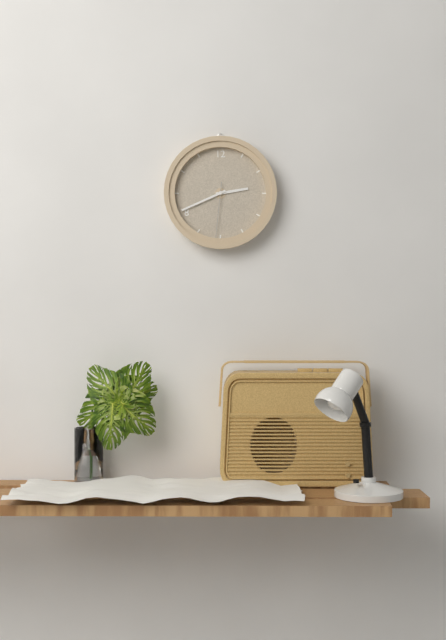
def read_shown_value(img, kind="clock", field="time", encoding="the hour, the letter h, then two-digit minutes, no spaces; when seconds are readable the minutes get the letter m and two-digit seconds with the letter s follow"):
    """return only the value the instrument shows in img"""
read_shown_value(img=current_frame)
2h41m31s
